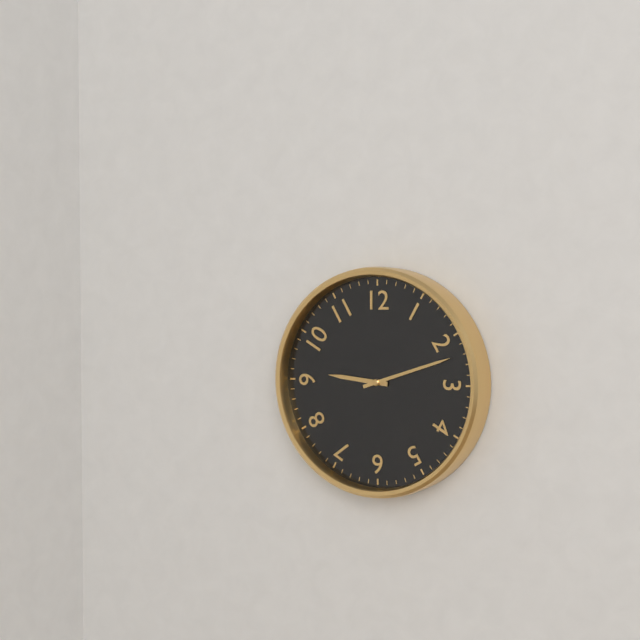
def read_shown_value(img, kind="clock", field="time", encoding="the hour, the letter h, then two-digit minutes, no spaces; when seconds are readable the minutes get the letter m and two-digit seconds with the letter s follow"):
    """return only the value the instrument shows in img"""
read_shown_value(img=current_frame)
9h12
